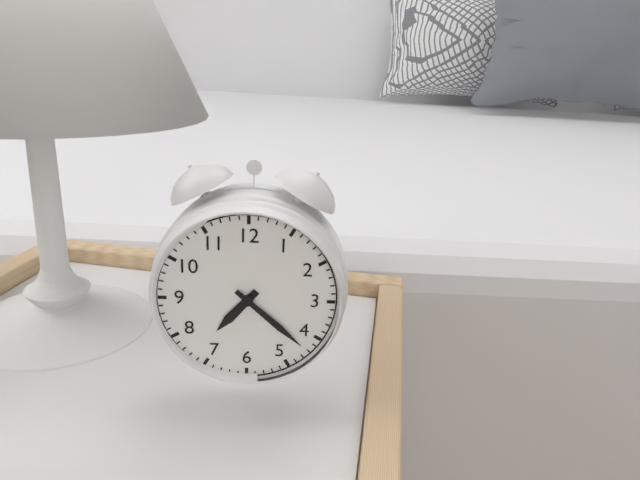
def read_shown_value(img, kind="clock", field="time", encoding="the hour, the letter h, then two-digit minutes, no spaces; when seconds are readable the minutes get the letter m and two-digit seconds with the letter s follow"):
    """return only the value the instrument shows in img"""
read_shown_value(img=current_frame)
7h22
